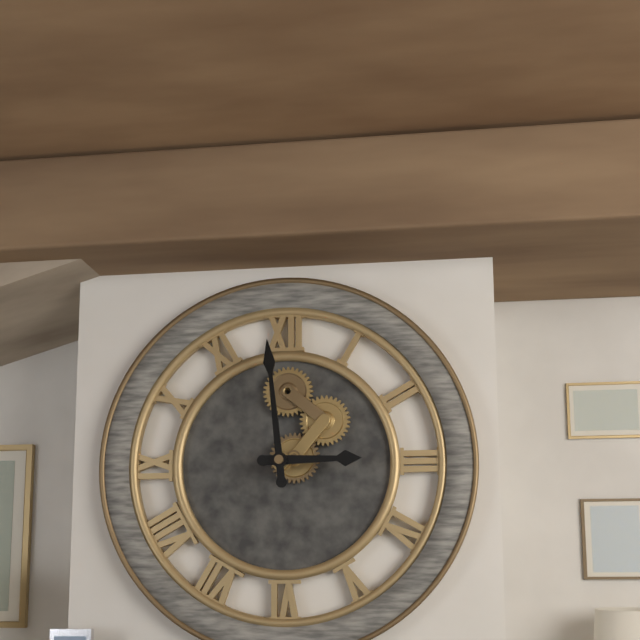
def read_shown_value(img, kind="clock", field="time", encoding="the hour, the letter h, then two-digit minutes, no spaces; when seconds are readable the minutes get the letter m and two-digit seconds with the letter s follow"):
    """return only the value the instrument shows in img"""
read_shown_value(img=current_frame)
2h59
